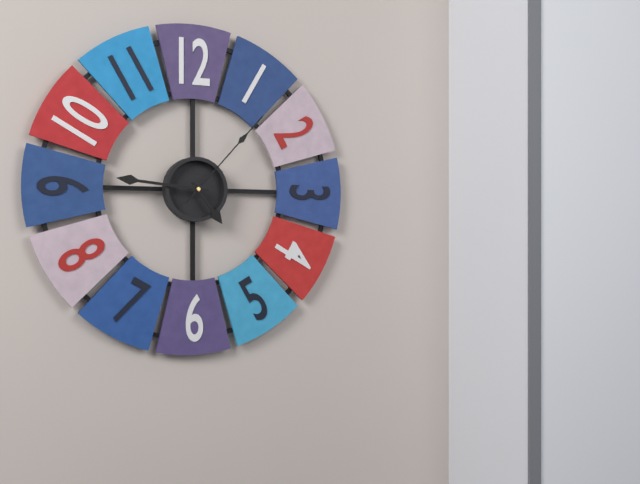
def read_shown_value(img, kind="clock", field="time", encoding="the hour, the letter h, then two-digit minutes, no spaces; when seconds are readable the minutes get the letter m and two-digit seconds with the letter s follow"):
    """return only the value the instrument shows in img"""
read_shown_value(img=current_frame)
4h46m07s
